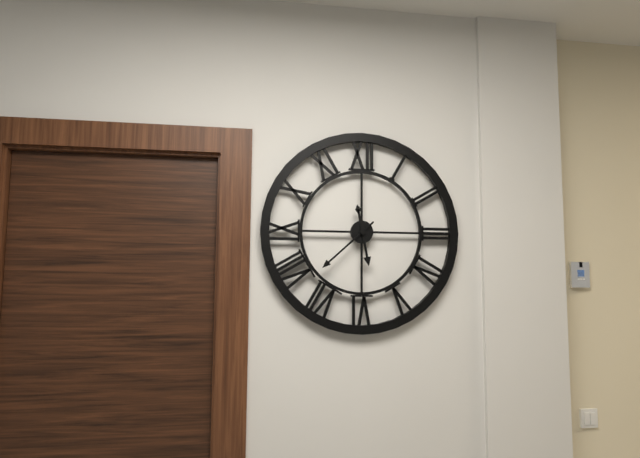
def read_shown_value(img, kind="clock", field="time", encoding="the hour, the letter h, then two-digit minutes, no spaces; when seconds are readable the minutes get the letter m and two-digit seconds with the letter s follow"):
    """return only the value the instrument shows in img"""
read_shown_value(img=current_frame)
5h38
